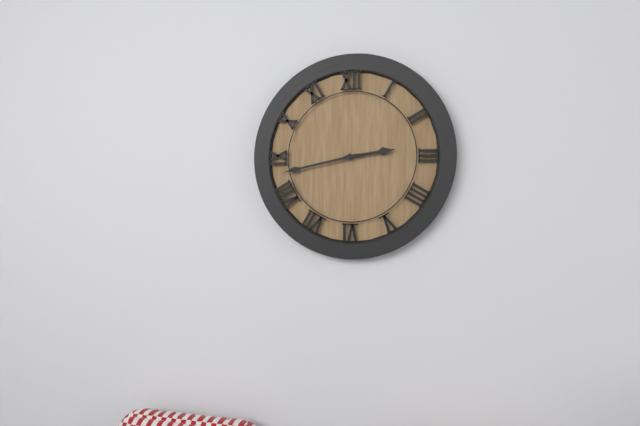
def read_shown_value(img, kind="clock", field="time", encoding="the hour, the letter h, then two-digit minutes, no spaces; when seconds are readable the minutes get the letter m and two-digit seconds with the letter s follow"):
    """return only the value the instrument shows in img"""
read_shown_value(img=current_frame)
2h43
